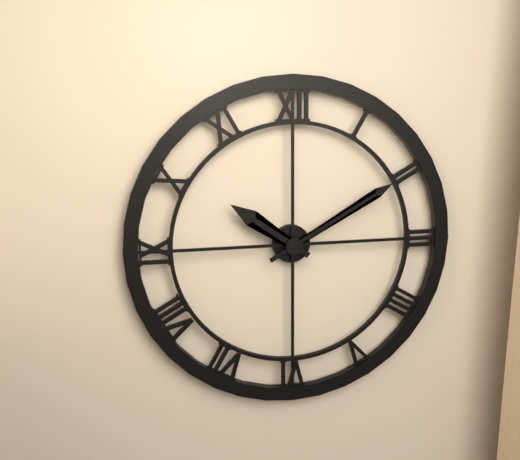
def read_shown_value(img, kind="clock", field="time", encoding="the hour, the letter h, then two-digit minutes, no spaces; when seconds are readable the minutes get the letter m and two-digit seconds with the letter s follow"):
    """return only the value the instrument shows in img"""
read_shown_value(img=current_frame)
10h10
